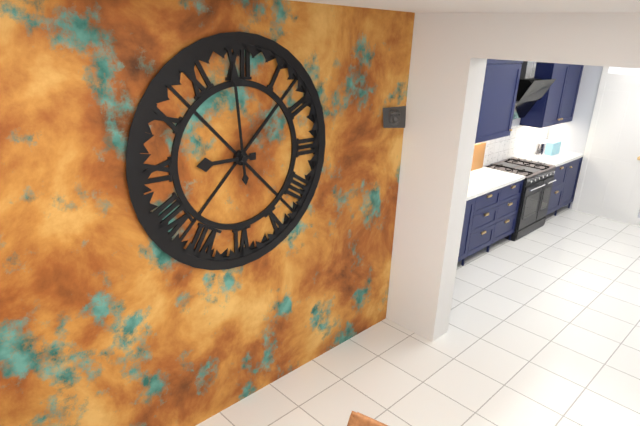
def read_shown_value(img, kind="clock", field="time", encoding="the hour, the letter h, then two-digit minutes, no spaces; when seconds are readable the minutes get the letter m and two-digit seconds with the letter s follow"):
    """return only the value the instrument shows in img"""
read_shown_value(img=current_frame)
8h59
